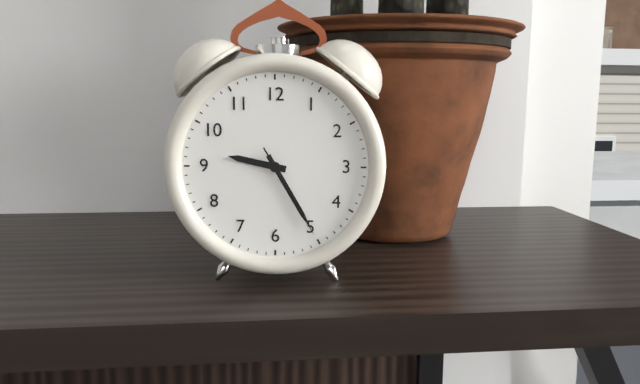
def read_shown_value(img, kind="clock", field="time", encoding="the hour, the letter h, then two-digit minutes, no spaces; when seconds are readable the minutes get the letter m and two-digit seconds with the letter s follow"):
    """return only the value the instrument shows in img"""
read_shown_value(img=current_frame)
9h25m25s
